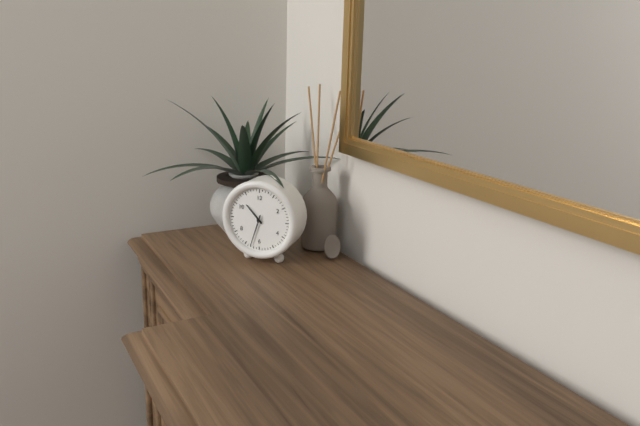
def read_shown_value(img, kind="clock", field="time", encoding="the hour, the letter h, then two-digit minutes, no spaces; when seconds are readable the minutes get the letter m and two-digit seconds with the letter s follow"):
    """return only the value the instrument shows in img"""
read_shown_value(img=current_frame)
10h33
